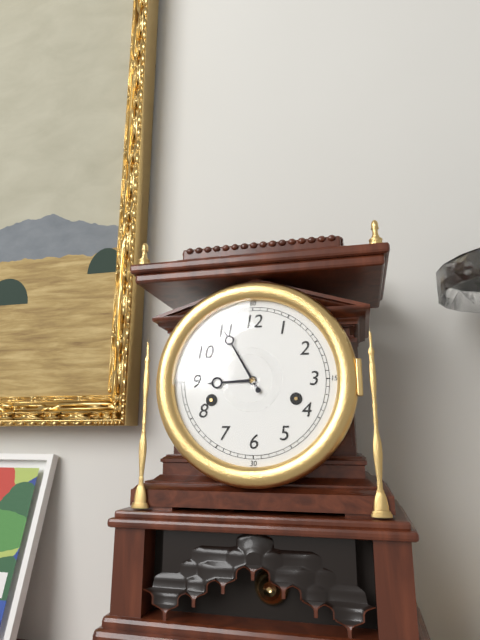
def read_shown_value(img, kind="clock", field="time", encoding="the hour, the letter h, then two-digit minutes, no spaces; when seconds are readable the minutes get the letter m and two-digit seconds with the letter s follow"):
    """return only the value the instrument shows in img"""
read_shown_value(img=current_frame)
8h55
